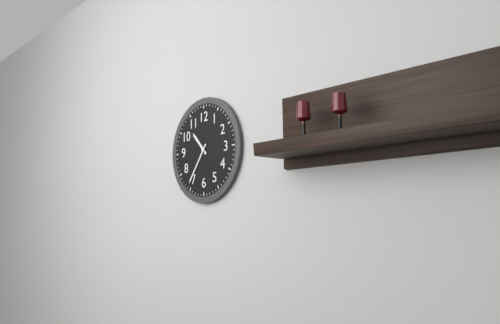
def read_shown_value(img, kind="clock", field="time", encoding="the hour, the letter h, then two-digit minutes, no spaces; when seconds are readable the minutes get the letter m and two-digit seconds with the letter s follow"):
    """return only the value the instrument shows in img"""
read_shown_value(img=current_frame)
10h36
